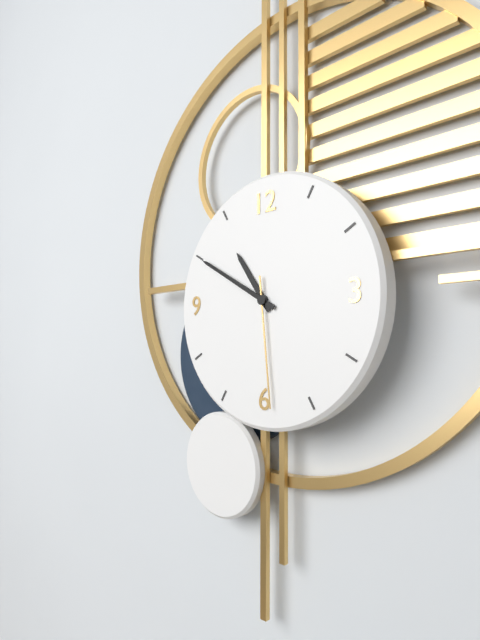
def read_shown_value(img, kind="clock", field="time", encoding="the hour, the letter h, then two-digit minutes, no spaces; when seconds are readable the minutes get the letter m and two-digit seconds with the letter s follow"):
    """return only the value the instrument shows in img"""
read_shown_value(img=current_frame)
10h50m29s
